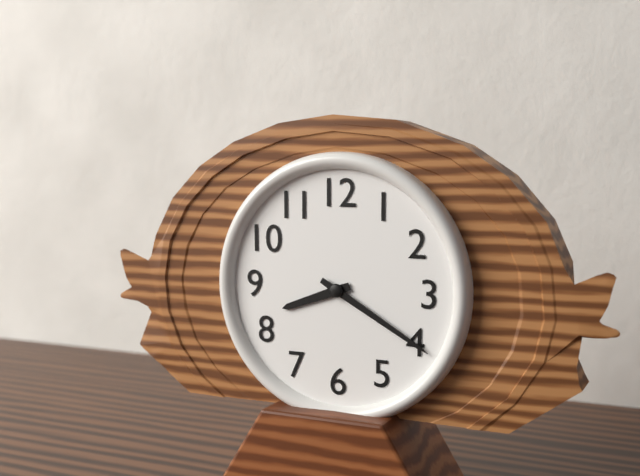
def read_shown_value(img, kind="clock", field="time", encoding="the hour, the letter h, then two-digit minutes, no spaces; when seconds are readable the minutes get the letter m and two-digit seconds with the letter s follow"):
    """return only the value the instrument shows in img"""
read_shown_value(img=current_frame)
8h20
